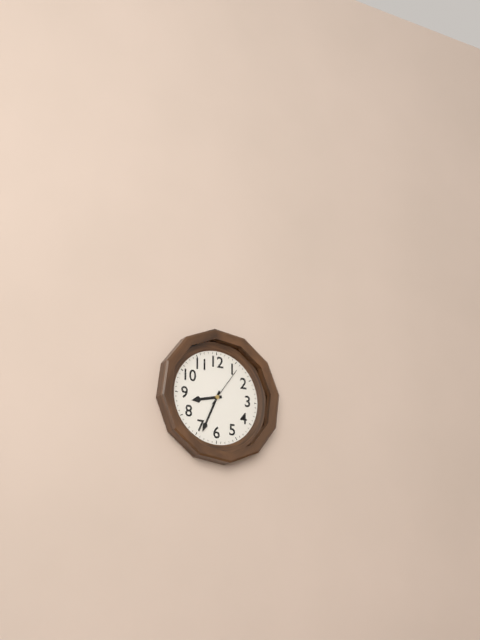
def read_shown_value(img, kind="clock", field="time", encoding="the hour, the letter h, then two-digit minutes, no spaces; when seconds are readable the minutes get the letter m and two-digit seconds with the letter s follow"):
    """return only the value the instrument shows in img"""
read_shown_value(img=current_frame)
8h34
